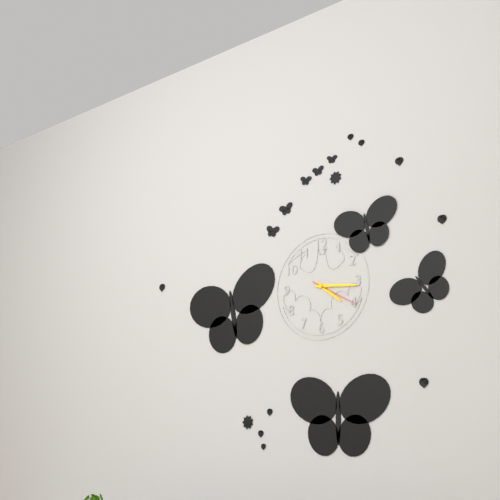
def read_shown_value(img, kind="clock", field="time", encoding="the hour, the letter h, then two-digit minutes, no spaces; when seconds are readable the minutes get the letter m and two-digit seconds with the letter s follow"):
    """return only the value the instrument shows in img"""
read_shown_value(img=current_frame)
4h16
